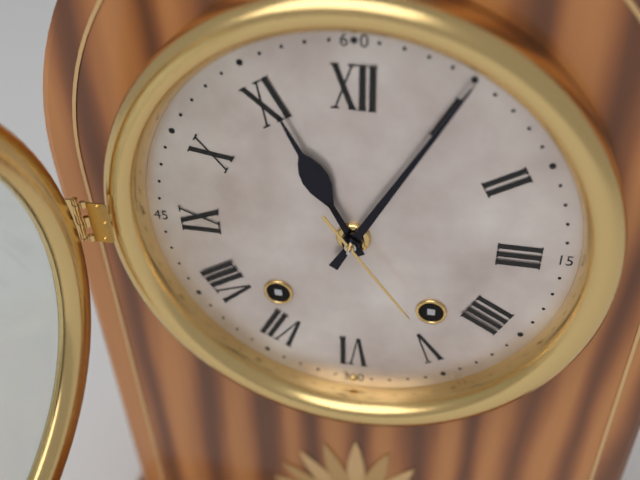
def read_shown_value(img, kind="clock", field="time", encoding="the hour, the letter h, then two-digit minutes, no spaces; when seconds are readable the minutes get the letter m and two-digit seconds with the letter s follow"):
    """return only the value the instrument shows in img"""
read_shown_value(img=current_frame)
11h05
